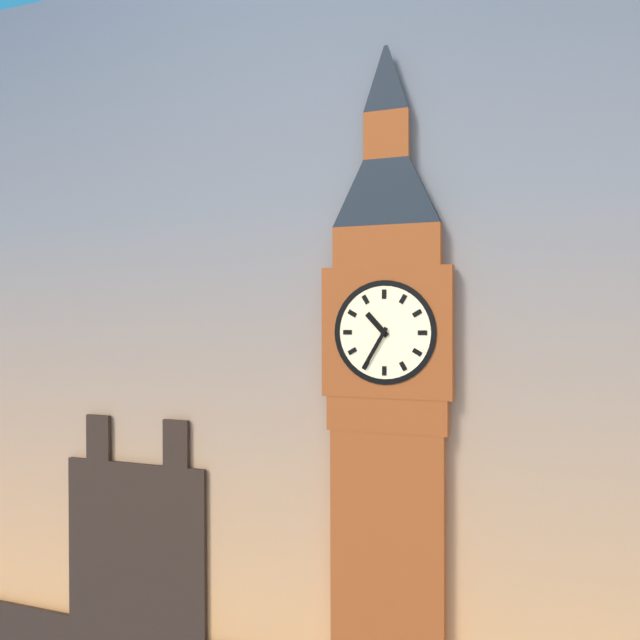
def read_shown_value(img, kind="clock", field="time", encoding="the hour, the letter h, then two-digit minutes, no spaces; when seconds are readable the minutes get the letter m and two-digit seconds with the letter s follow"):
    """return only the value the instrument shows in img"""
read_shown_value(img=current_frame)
10h35
